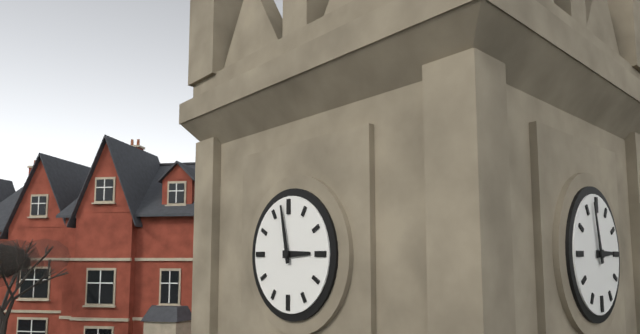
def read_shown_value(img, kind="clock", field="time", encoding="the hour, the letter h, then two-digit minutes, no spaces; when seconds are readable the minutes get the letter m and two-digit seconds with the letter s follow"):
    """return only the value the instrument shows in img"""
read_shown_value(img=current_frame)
2h58
